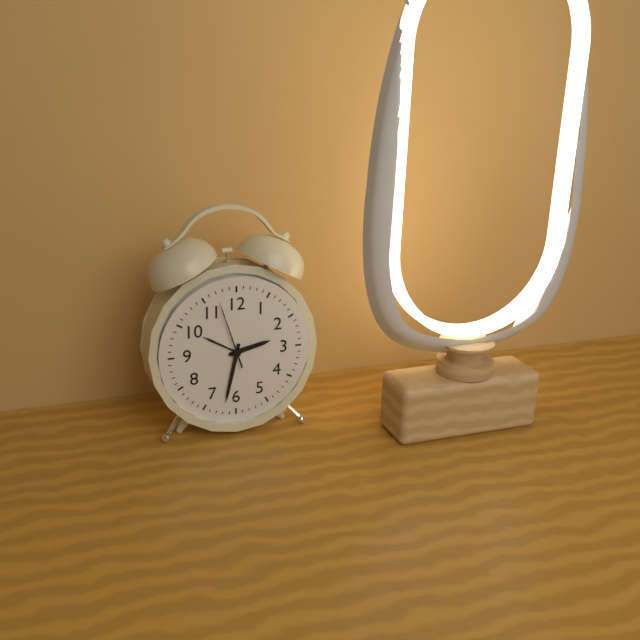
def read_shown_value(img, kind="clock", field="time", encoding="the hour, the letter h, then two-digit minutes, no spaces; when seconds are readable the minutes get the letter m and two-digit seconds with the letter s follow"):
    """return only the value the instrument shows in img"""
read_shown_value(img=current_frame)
2h32m57s
